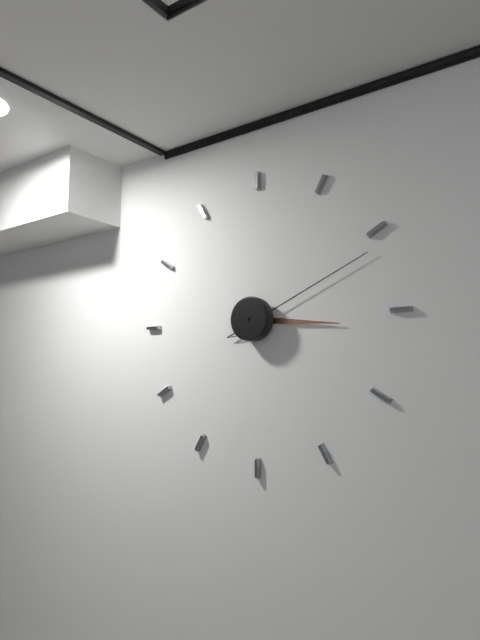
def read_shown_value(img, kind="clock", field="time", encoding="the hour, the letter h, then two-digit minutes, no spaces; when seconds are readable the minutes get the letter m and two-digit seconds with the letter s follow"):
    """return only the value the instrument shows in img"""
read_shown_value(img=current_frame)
3h11
